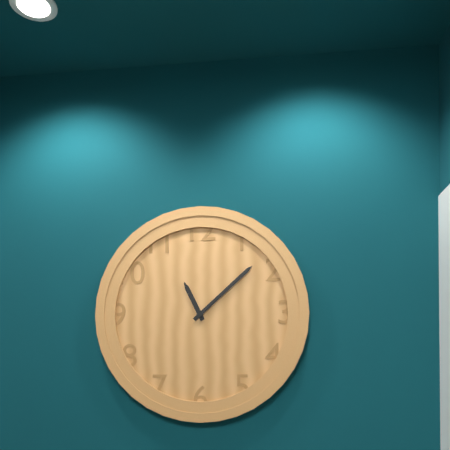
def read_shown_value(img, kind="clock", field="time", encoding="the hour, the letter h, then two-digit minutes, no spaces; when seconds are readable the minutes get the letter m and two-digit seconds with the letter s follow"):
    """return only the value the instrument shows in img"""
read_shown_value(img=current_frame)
11h08
